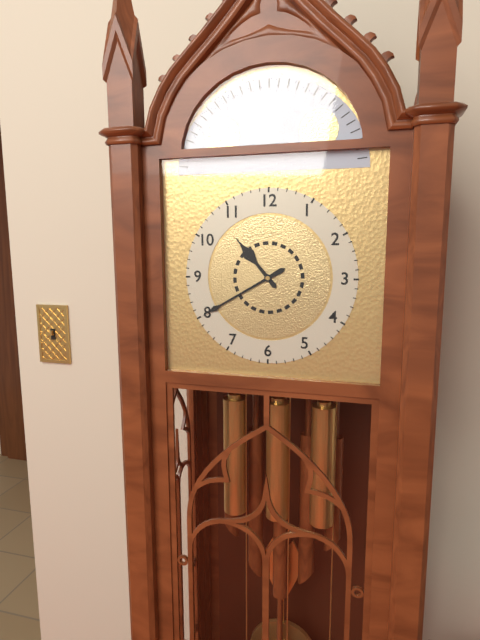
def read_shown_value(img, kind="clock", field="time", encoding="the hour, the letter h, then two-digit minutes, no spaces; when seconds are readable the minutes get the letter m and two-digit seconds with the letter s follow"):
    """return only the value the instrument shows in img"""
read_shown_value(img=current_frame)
10h40
